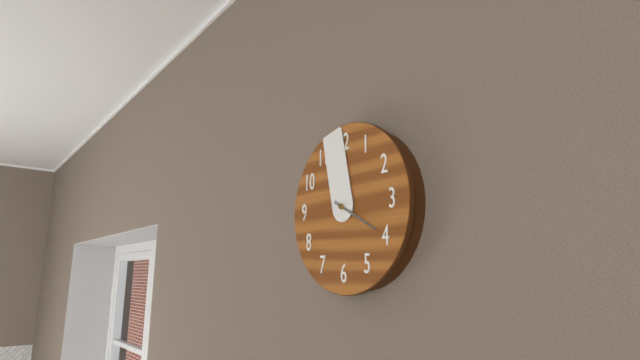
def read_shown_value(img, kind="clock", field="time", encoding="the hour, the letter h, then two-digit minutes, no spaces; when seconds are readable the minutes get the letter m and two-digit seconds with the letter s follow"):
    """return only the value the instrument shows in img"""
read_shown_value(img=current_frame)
3h58
